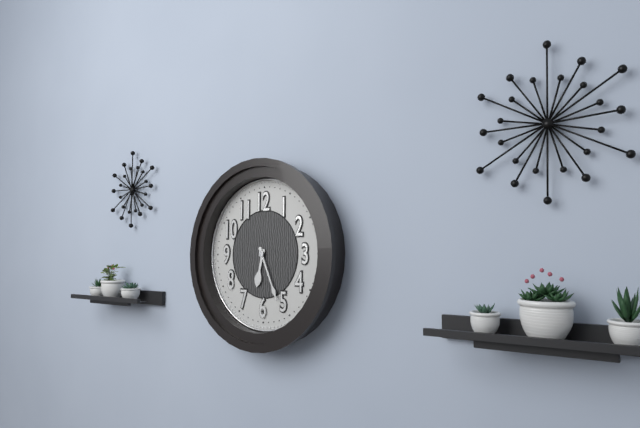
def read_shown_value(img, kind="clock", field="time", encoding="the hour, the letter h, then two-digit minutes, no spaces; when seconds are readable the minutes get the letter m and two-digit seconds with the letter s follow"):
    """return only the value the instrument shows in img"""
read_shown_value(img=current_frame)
6h26
